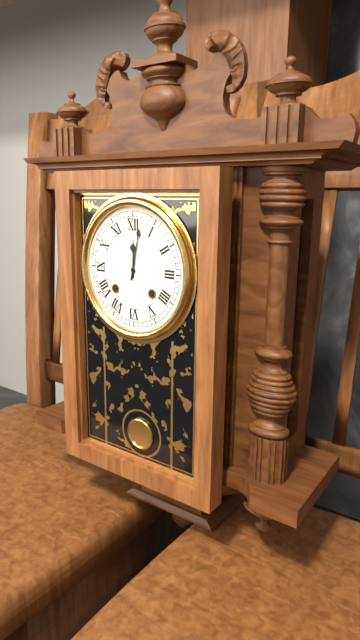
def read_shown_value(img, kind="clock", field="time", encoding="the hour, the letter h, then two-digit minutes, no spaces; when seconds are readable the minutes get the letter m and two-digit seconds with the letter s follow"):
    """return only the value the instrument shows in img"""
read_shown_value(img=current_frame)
12h02
